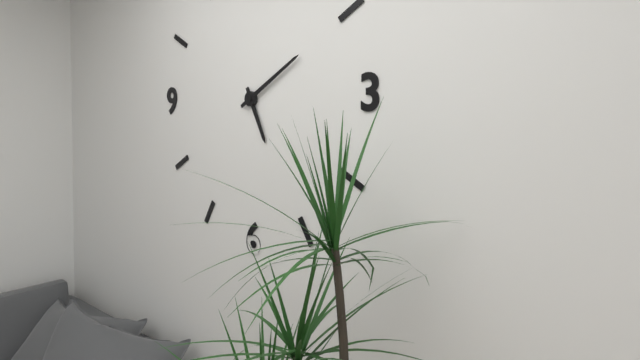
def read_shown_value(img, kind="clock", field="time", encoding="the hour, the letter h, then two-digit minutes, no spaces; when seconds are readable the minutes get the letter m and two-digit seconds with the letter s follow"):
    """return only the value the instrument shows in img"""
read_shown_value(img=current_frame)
5h10
